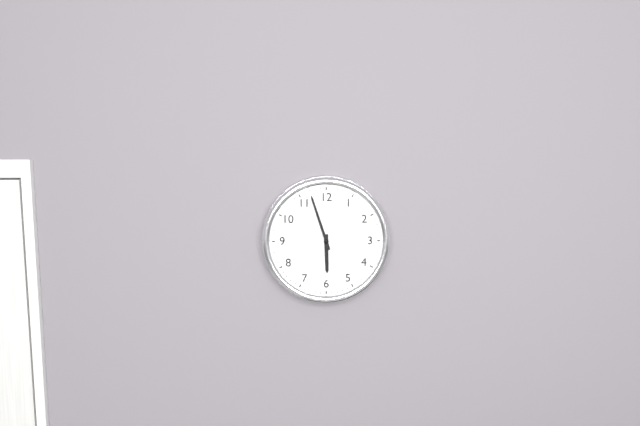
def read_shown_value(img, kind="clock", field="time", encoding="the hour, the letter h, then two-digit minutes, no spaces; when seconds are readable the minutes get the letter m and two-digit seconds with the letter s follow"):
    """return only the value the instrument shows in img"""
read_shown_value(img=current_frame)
5h57
